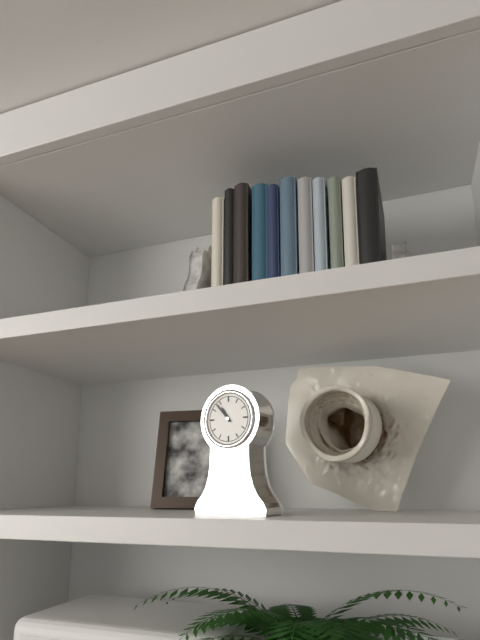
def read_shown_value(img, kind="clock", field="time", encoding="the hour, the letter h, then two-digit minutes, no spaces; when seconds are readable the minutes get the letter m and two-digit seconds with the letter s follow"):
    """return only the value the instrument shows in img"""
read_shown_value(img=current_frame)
10h53
